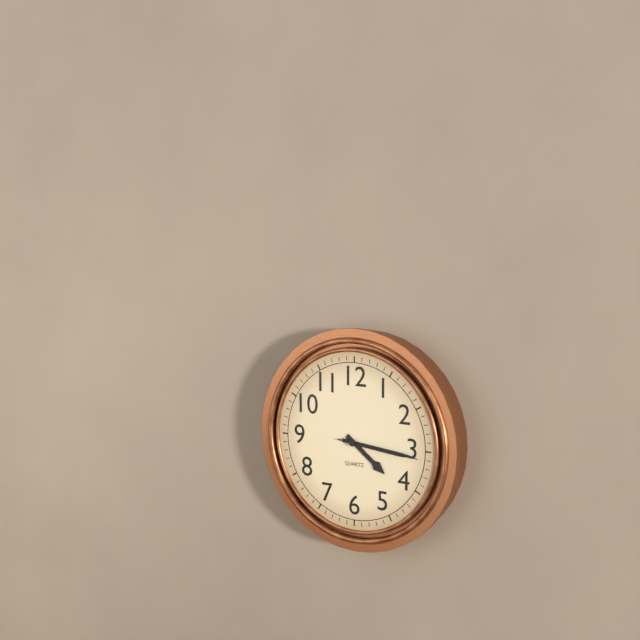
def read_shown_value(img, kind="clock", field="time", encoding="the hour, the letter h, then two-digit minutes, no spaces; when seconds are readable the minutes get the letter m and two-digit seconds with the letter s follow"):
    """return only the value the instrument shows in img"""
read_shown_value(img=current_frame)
4h16m16s
